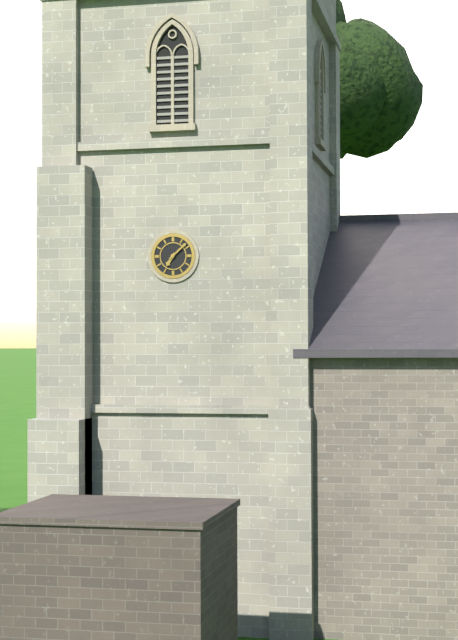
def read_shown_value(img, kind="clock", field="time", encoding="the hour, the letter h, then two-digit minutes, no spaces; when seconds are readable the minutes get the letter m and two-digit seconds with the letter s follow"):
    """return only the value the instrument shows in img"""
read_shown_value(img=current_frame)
7h08
